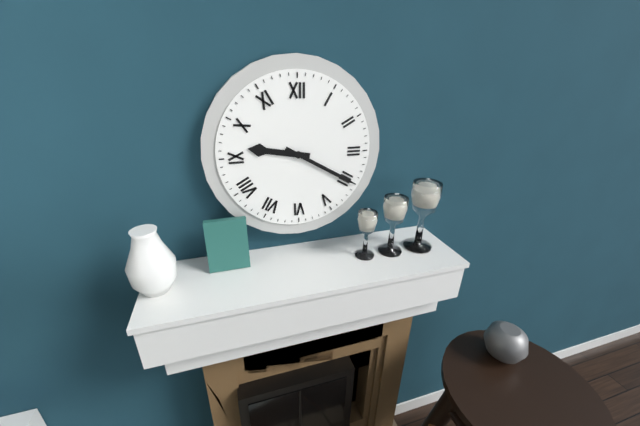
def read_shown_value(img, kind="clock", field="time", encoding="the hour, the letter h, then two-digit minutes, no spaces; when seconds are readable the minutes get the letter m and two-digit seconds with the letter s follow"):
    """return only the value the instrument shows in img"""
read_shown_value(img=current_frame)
9h20
